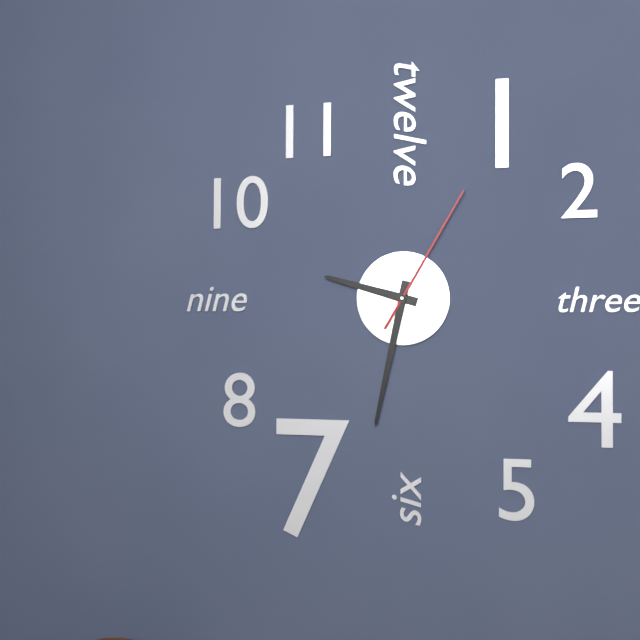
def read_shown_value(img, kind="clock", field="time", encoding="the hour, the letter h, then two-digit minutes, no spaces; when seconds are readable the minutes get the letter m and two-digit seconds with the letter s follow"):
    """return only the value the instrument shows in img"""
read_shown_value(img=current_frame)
9h32m05s
